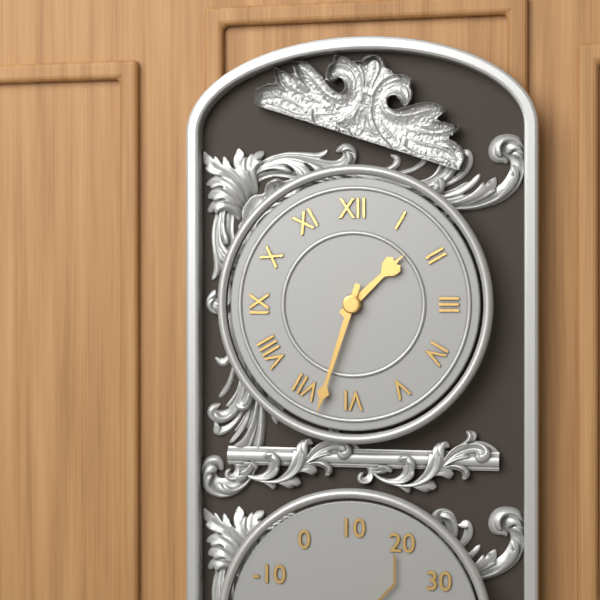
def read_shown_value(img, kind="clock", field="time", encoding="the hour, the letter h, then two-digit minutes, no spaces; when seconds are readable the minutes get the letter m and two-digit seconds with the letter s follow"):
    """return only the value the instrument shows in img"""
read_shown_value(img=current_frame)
1h33
